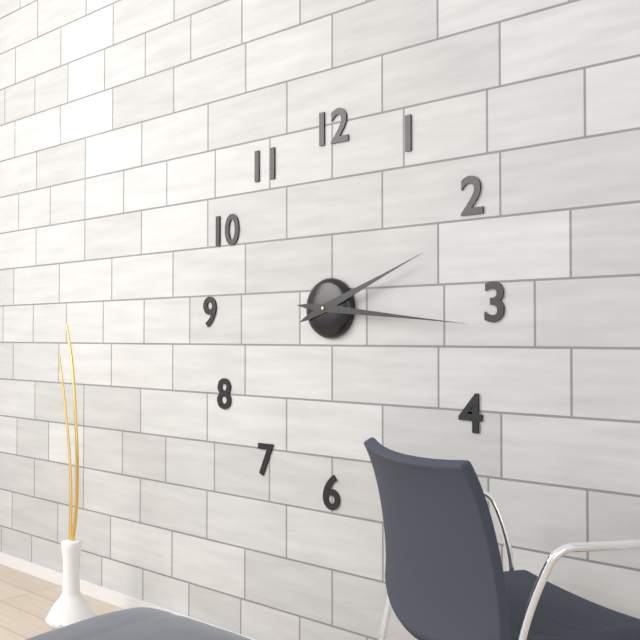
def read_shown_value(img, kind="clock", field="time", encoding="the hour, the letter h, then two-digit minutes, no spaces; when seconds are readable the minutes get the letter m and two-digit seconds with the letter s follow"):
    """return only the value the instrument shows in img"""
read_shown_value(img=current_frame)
2h16
